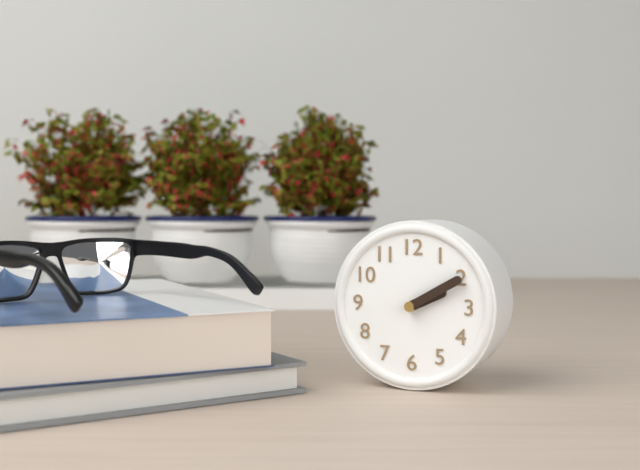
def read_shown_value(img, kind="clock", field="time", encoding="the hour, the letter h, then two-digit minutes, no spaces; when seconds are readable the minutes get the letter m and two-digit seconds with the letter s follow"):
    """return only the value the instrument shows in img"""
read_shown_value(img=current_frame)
2h10
